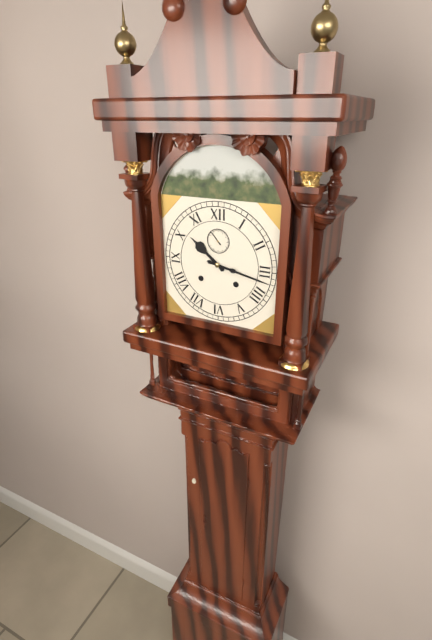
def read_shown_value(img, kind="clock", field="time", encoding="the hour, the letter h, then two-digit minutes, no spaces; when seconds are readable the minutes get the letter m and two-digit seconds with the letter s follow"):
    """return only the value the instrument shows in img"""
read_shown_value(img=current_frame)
10h17
